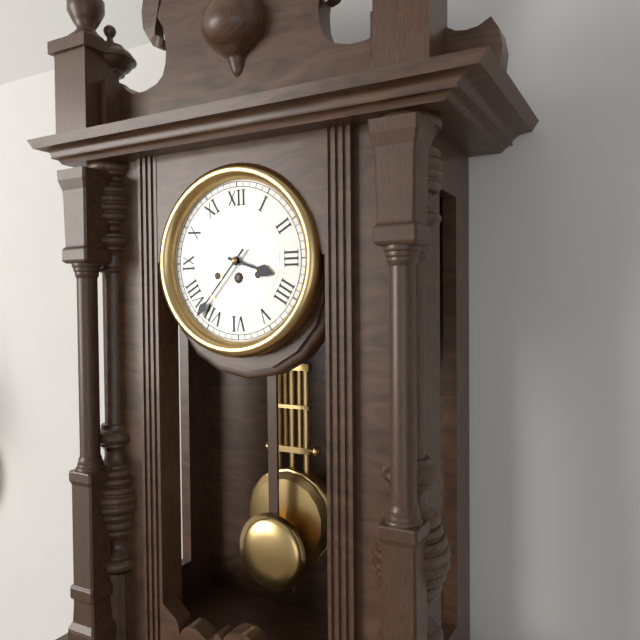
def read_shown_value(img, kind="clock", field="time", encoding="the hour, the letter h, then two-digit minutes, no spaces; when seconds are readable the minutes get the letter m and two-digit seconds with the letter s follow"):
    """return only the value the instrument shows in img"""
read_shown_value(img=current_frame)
3h37
